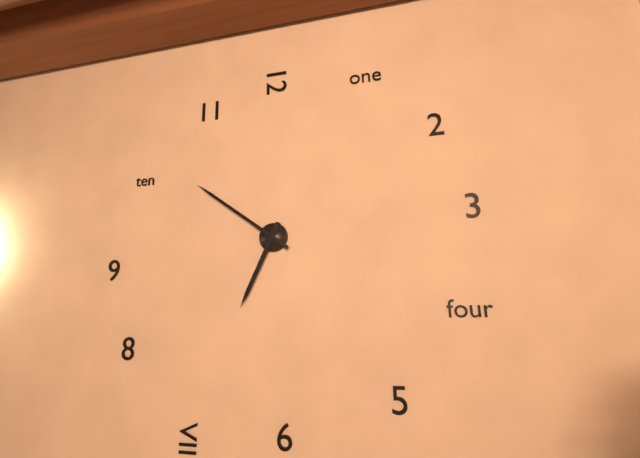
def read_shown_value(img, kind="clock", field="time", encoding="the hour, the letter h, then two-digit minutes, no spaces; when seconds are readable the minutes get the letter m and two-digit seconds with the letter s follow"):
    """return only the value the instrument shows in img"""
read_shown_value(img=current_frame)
6h51
